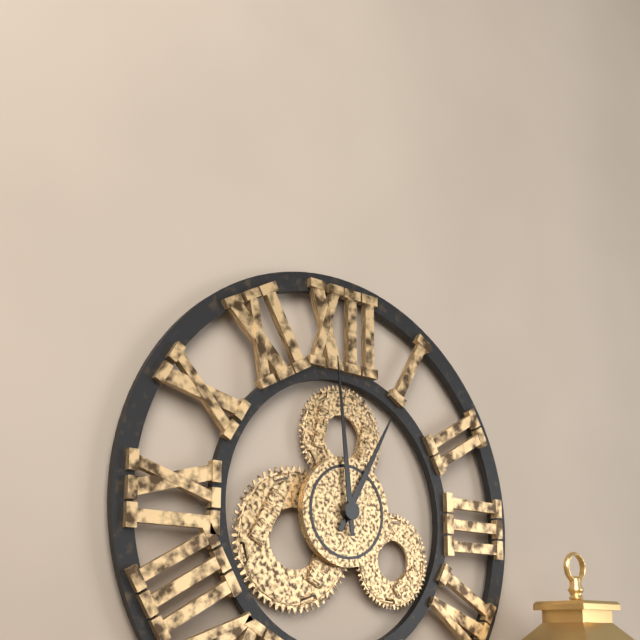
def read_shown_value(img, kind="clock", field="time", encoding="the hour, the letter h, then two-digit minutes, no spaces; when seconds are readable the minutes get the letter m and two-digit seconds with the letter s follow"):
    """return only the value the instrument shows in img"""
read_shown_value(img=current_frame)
12h59
